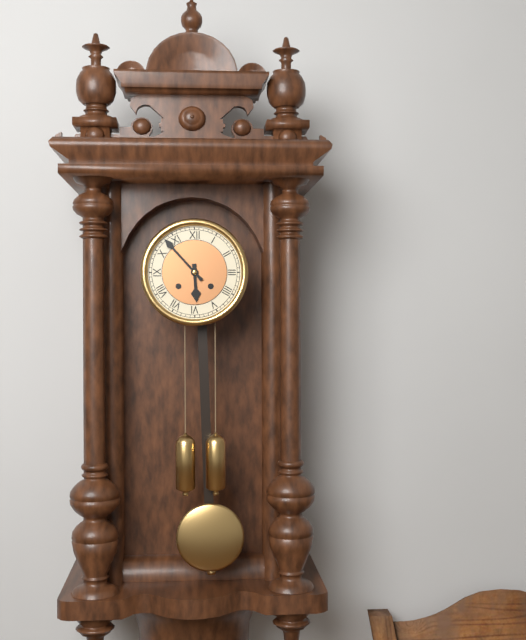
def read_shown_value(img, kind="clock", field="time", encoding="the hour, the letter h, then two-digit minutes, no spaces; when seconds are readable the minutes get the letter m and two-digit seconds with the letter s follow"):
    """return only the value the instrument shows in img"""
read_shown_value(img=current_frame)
5h53
